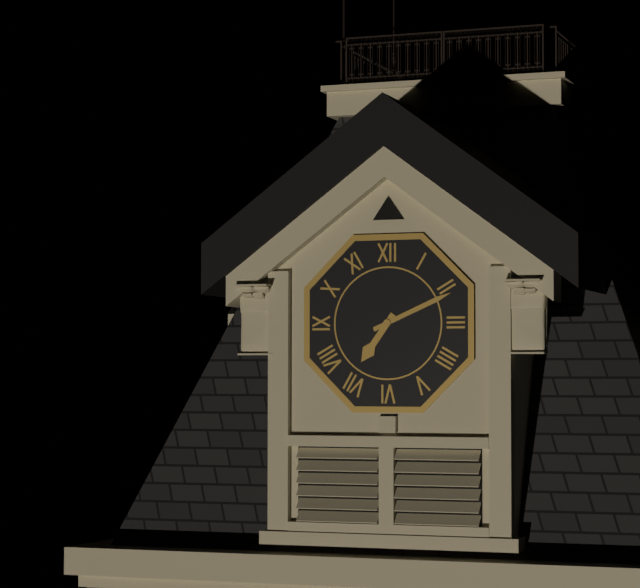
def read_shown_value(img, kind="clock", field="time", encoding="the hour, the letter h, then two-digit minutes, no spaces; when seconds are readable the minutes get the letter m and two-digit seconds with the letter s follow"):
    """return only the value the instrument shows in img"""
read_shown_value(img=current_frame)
7h11
